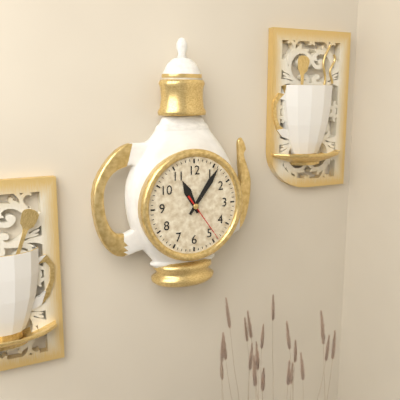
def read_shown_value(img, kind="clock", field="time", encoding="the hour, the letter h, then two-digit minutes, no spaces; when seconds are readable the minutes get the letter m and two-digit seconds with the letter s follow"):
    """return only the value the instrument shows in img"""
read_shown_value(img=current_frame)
11h06m24s
